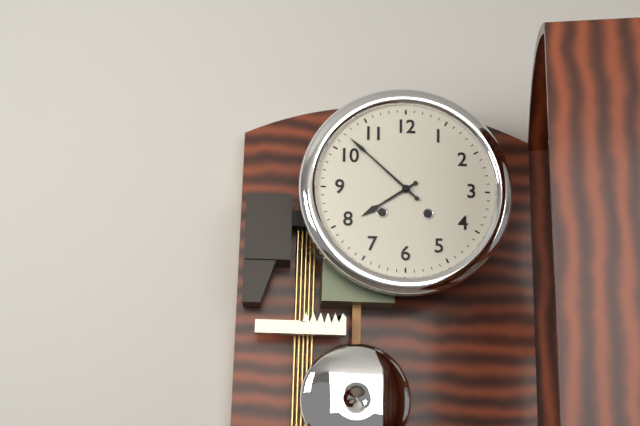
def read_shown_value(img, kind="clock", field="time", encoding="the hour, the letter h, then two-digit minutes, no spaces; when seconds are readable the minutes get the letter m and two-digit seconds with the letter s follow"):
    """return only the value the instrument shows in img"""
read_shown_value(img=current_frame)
7h52
